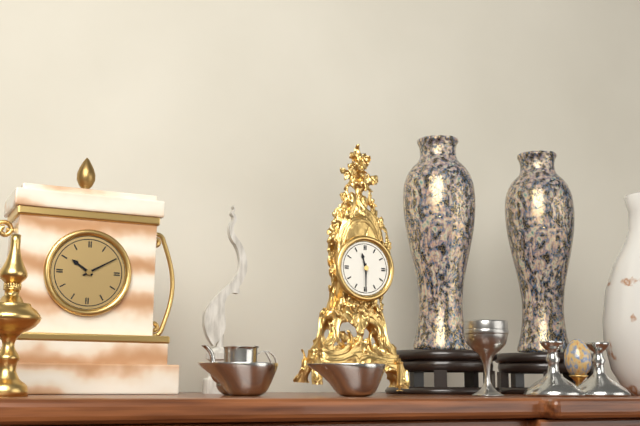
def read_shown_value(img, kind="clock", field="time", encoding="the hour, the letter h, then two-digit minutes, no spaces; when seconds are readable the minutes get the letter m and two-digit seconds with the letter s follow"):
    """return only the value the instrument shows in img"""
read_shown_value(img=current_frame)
11h30
